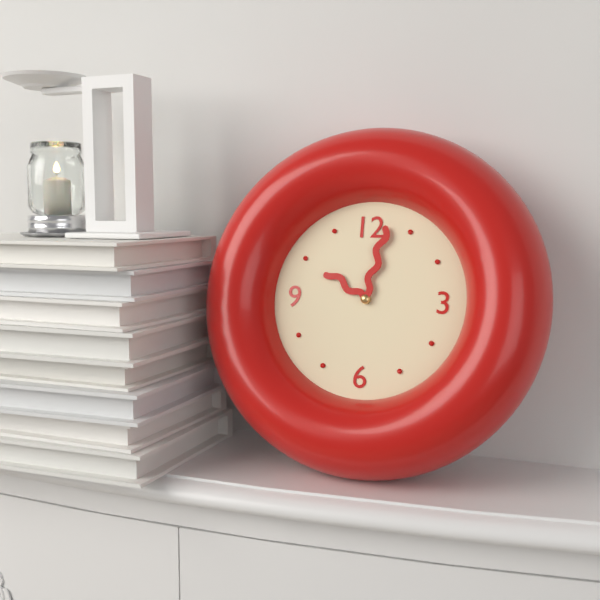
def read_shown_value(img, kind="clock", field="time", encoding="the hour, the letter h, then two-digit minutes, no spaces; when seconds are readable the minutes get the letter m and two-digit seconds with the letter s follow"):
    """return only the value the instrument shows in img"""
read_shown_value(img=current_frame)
10h02
